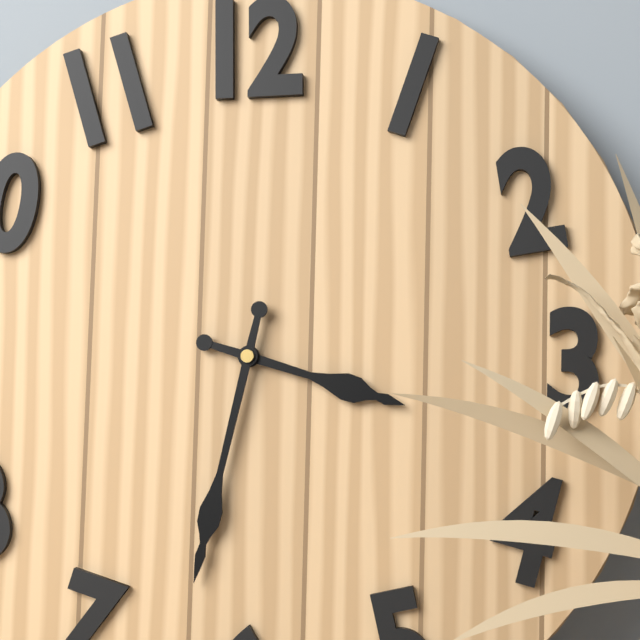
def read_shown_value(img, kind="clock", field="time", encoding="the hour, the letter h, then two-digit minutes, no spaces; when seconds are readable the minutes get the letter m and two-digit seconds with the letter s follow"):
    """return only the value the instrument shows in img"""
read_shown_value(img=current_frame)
3h32
